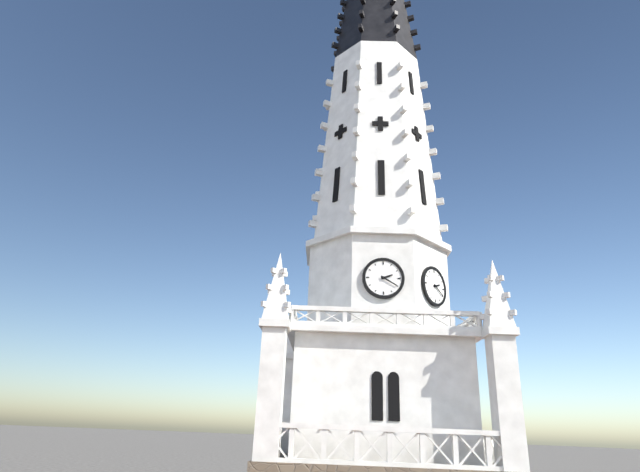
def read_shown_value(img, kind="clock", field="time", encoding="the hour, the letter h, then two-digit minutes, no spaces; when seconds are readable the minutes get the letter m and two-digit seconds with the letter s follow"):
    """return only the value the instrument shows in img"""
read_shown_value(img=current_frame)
2h20
